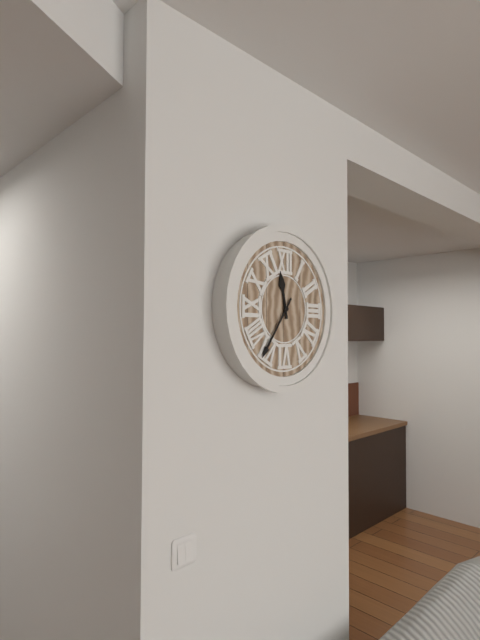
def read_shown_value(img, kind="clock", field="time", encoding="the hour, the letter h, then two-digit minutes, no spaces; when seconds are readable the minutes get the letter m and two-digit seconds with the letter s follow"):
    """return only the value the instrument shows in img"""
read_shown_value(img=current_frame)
11h36
